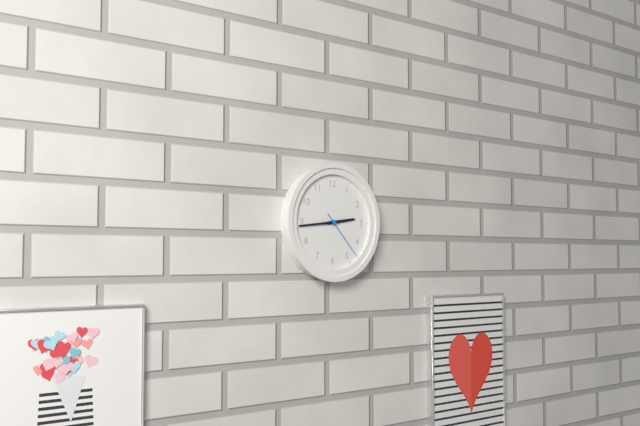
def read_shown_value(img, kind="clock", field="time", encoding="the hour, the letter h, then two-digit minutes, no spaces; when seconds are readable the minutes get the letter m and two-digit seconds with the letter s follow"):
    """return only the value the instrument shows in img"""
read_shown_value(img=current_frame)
2h44m23s
